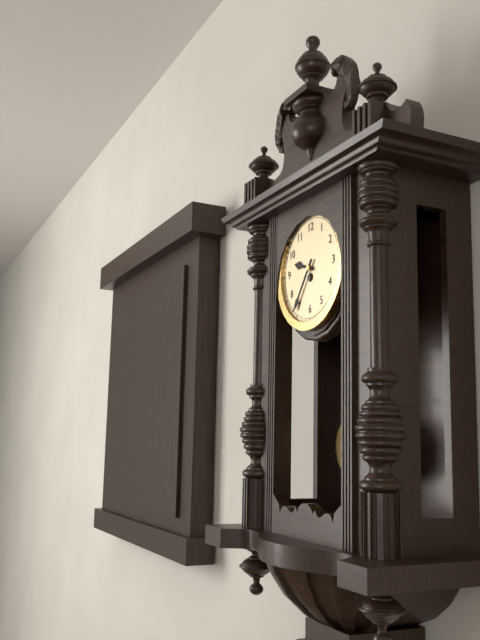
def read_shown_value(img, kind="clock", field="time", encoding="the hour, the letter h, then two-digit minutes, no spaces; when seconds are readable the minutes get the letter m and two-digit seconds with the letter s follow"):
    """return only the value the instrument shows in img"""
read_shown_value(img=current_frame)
9h36
